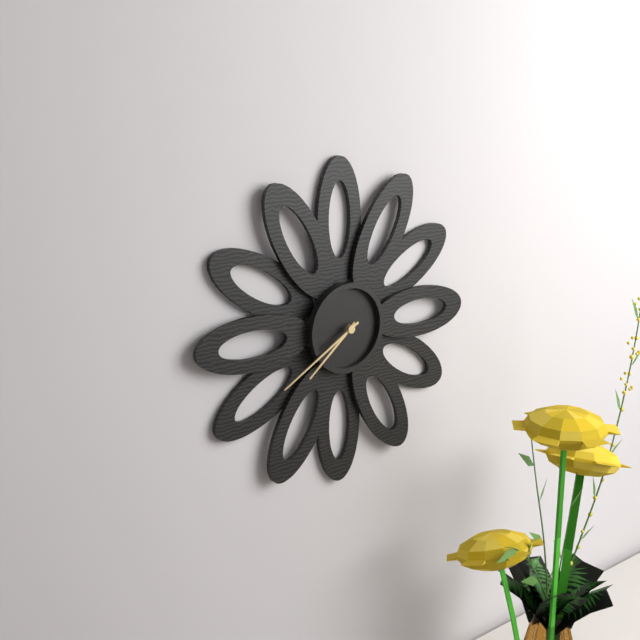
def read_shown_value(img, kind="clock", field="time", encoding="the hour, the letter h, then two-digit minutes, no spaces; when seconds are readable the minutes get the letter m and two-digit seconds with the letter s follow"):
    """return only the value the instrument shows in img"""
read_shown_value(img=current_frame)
7h40
